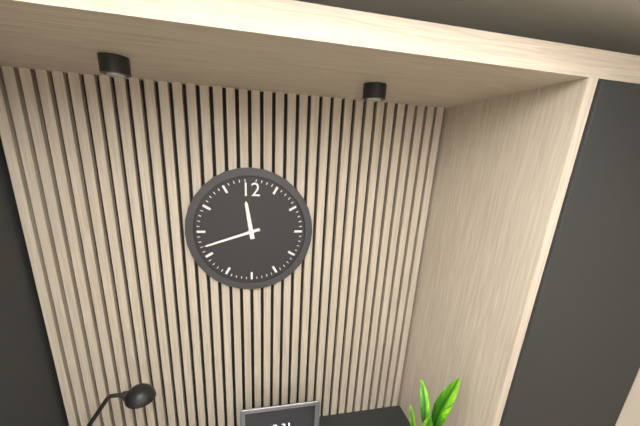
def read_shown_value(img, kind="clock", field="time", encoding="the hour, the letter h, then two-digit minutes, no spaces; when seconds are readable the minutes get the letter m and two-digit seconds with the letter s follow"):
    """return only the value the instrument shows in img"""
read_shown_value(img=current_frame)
11h42
